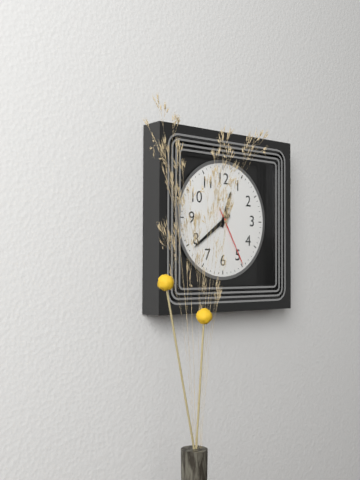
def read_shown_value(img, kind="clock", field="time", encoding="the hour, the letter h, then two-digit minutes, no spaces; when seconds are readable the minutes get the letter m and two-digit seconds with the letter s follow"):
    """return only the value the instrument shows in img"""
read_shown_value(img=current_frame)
12h39m25s
